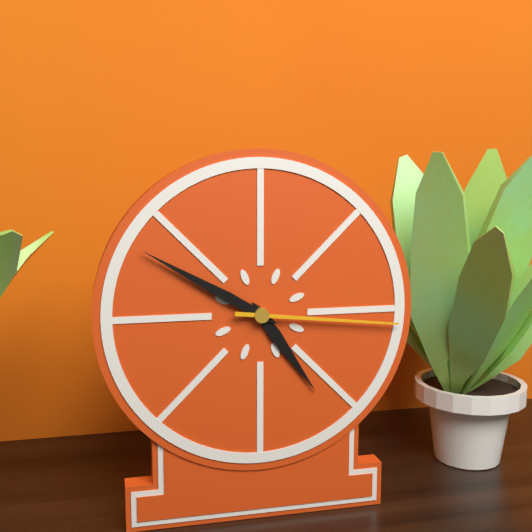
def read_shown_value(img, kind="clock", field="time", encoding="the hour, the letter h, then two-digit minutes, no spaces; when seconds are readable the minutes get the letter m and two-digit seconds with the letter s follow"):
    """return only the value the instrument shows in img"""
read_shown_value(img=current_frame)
4h50m16s
